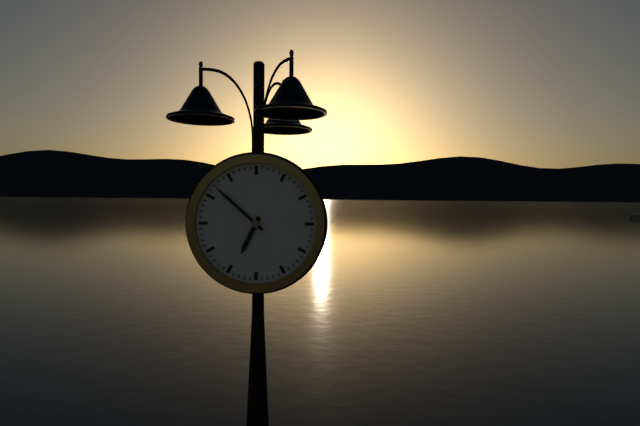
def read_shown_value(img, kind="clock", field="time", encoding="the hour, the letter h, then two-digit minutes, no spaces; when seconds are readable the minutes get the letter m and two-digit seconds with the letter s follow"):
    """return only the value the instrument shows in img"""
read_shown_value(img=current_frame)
6h52
